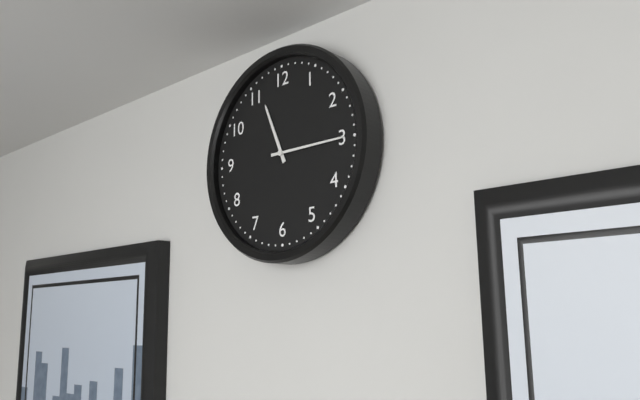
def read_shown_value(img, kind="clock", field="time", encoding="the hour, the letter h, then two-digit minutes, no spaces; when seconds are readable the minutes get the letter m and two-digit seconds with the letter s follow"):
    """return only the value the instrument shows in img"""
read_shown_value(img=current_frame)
11h15
